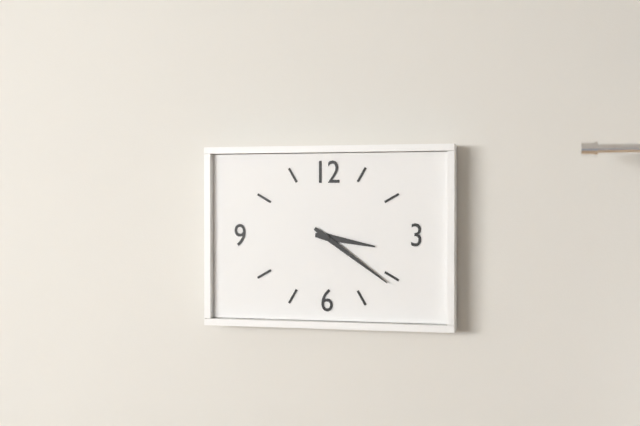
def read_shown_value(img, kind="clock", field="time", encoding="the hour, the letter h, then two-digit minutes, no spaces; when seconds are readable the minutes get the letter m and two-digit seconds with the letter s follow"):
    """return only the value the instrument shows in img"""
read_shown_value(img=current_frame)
3h21
